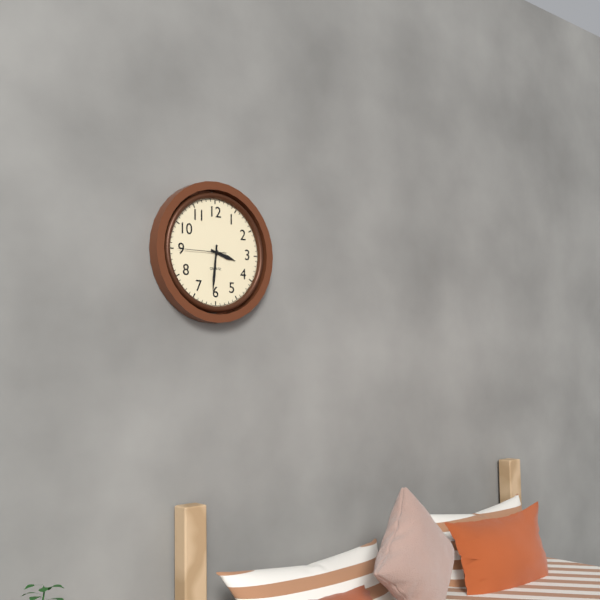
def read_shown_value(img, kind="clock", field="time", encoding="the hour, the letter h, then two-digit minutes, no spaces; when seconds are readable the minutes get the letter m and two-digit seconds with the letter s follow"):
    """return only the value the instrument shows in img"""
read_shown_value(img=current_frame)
3h31
